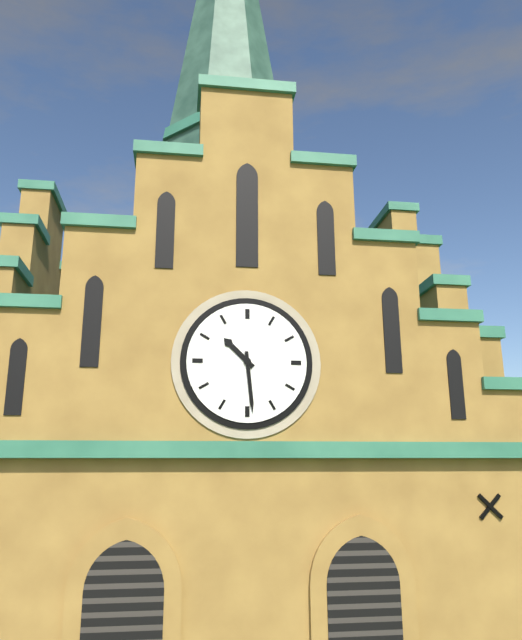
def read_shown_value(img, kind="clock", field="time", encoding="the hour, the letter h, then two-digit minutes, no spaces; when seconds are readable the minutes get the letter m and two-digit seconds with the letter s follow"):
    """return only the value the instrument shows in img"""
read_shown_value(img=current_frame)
10h29
